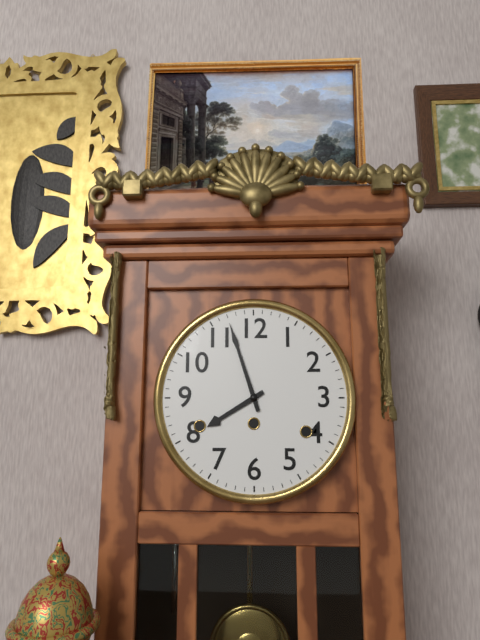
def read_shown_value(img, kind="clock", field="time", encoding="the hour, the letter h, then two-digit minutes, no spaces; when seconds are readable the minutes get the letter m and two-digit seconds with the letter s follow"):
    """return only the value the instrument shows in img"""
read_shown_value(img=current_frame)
7h57
